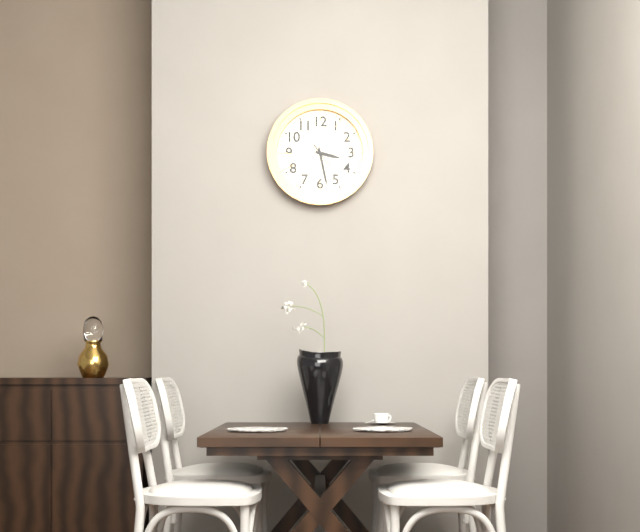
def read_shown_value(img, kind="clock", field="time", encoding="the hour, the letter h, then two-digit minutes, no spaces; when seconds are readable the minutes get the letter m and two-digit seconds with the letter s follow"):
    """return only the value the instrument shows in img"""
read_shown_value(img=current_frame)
3h28
